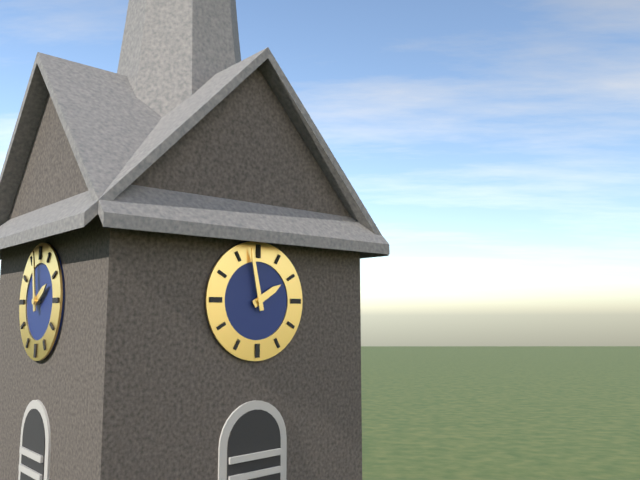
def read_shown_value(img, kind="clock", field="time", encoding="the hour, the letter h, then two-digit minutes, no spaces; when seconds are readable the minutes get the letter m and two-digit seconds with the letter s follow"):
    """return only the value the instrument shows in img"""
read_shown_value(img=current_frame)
1h58
